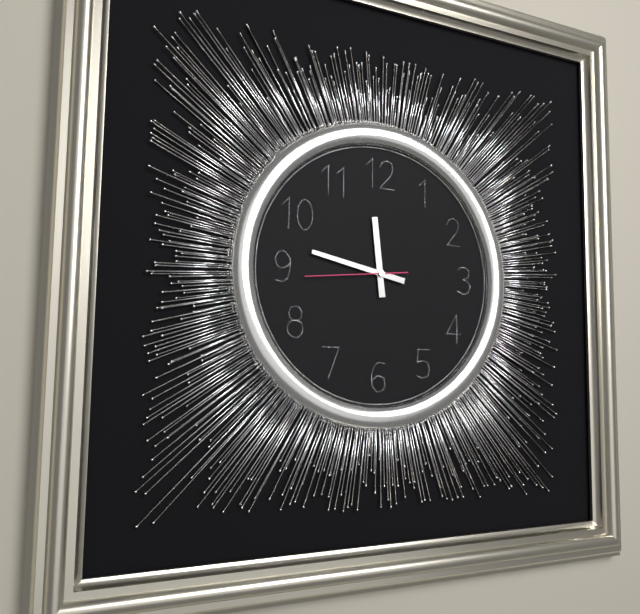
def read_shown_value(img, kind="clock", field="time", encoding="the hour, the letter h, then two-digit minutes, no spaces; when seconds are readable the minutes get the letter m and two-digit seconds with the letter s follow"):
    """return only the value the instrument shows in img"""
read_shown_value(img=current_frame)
11h47m44s
